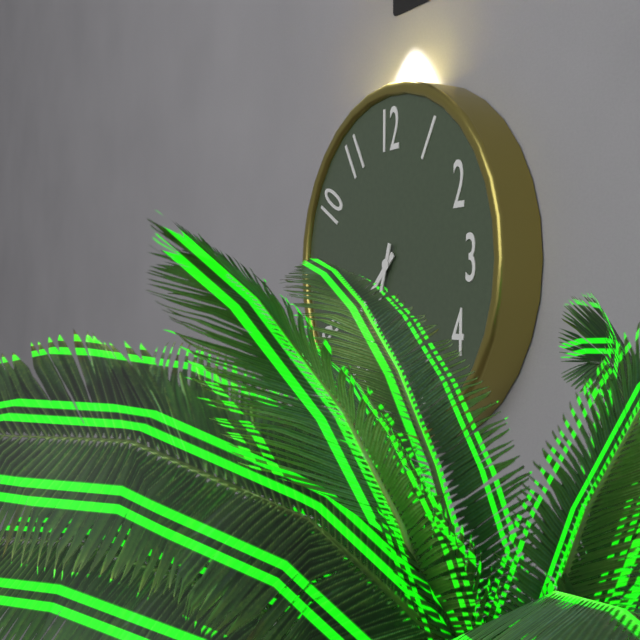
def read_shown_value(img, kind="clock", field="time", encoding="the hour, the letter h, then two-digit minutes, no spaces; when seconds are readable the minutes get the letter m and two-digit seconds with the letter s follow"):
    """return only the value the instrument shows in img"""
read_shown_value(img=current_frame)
7h33
